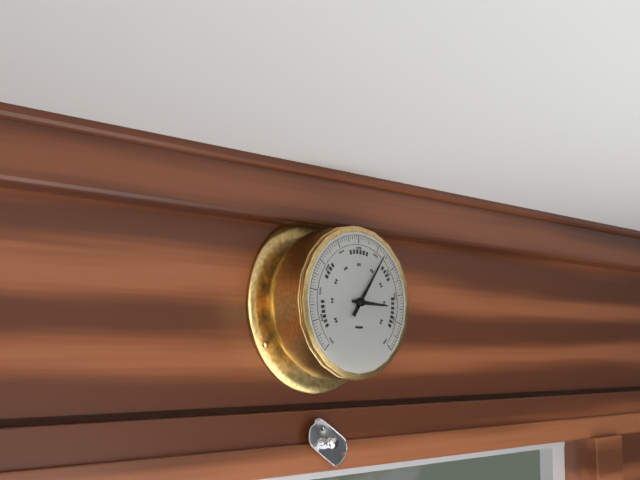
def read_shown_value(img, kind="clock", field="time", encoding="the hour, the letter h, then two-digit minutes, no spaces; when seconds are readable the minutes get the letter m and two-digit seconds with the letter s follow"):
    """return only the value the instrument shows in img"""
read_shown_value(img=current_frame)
3h06
